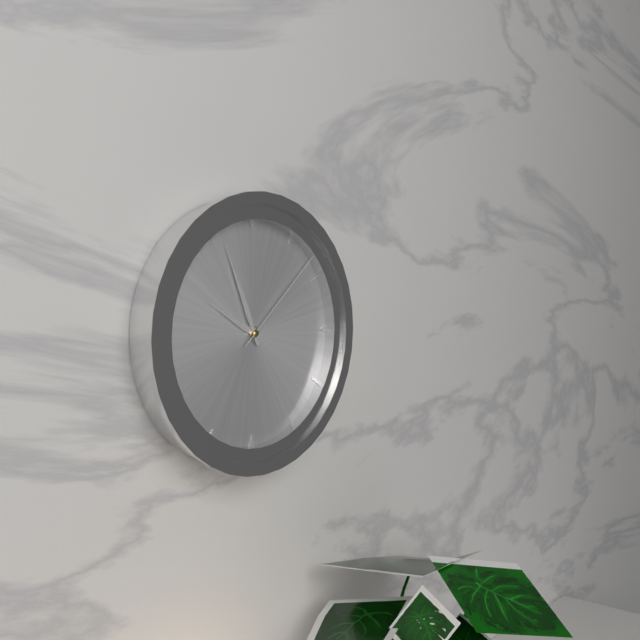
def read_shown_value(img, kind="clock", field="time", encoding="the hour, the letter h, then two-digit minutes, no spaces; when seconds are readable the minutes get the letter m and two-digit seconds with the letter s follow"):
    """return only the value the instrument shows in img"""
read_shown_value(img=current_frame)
9h56m08s
